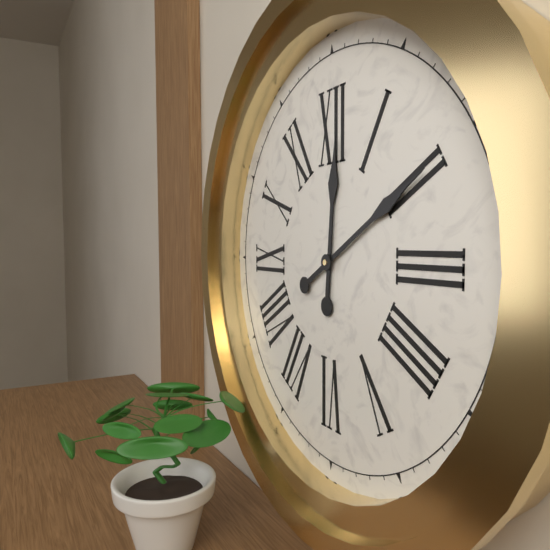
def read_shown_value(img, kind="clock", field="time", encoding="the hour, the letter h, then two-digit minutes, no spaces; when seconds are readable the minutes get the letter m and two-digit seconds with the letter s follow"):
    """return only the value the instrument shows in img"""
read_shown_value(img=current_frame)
12h10
